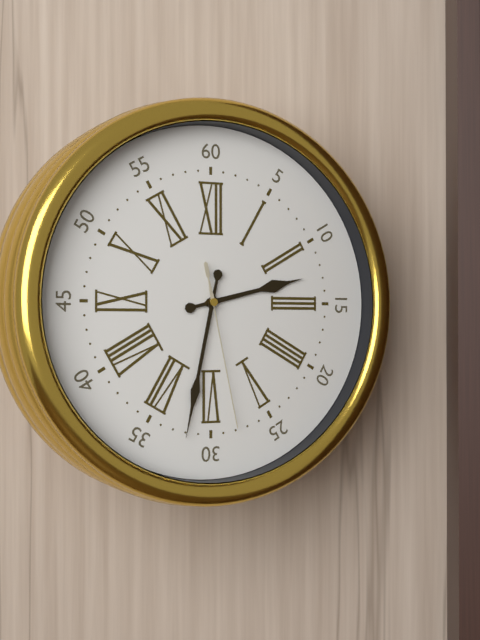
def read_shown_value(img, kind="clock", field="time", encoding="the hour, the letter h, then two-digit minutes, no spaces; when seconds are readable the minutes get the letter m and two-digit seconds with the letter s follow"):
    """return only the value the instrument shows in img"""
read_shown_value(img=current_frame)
2h32m28s
